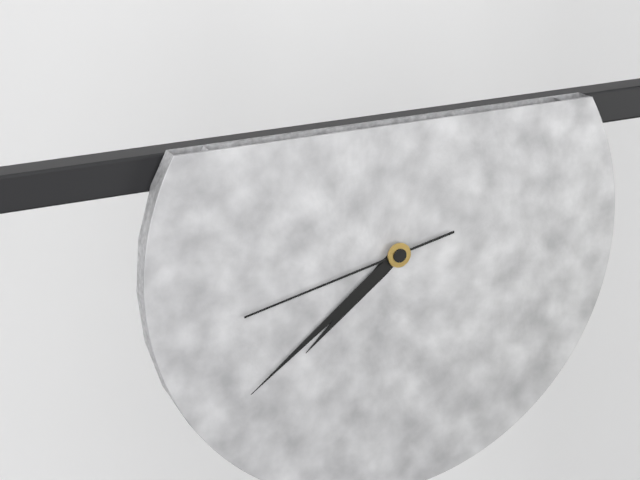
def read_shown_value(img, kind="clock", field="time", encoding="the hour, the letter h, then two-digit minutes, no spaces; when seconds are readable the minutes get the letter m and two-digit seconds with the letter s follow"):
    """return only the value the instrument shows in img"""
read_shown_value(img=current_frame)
7h39m43s
